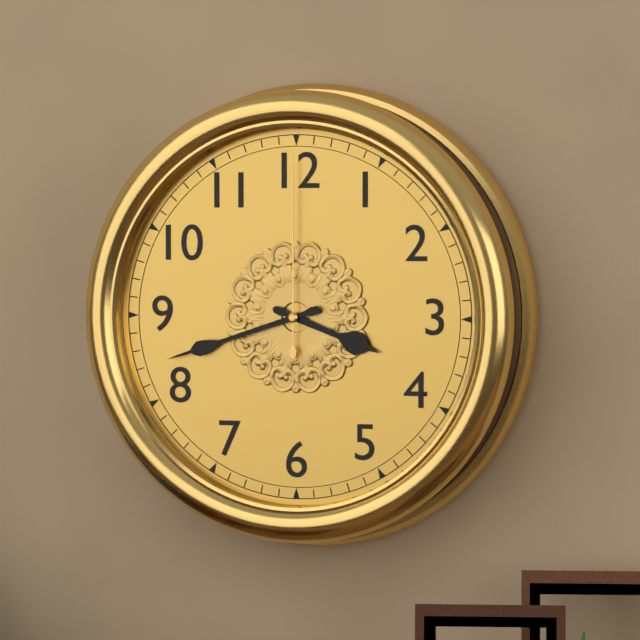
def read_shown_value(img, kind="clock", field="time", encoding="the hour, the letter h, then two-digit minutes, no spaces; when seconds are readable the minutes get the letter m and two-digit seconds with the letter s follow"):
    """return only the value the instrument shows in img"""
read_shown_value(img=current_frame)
3h42m00s
